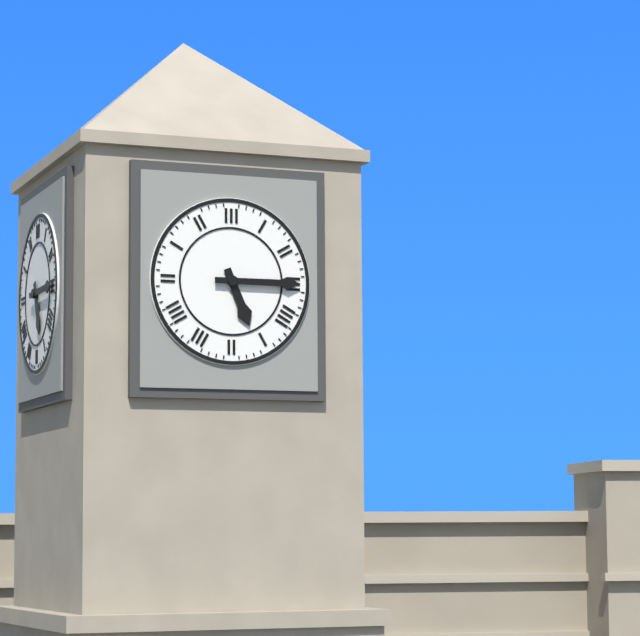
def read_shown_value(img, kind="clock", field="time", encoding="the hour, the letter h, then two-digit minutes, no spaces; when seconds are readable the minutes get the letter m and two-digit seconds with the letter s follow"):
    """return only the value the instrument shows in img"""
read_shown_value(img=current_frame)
5h15
